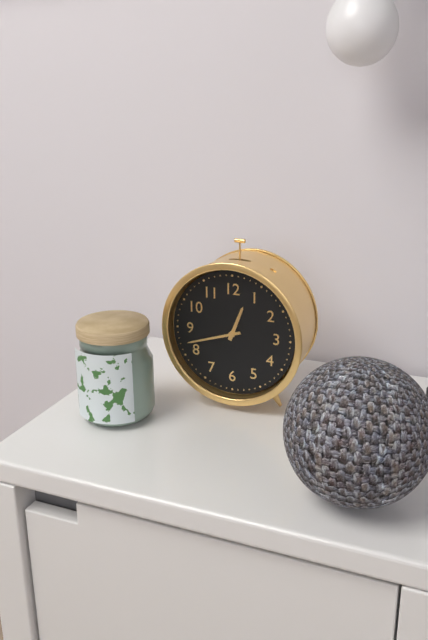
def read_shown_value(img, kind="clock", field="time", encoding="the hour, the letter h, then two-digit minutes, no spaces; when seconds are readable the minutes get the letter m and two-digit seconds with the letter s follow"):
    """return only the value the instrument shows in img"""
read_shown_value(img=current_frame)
12h42
